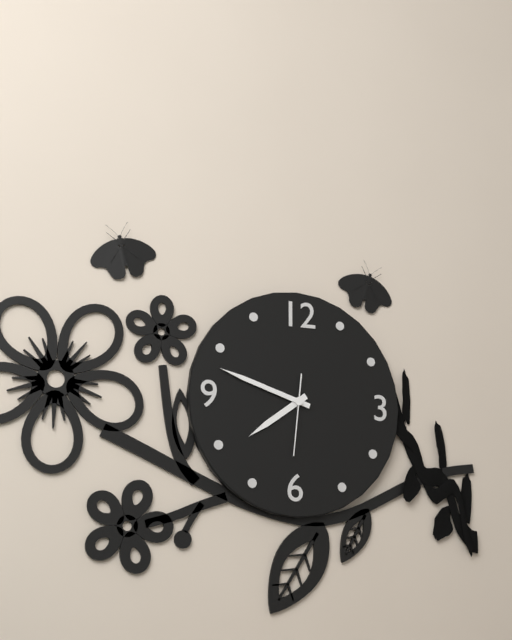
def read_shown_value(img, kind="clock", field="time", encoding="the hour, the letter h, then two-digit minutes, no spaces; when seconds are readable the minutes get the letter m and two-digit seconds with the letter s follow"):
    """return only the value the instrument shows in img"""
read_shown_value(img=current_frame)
7h48m31s
